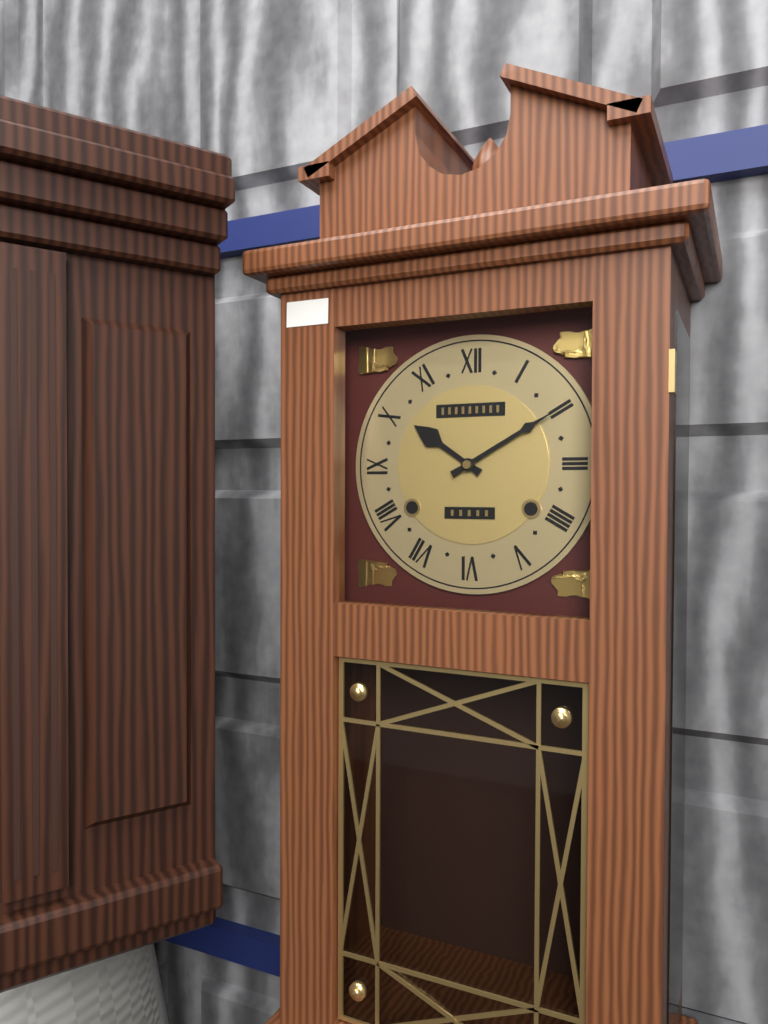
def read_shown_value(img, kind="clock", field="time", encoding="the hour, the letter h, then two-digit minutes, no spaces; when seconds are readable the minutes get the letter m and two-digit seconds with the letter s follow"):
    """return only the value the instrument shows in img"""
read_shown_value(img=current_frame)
10h10
